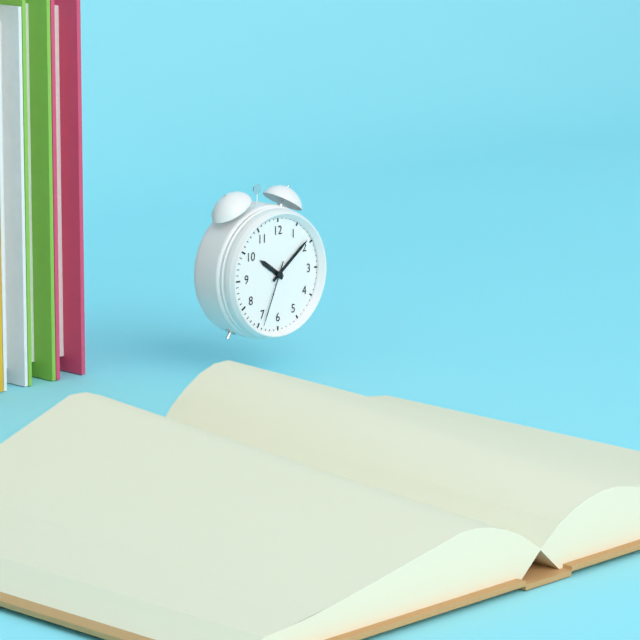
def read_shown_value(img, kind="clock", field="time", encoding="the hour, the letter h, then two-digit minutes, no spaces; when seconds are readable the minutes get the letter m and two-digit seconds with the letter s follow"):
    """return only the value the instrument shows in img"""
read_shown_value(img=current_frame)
10h09m34s
